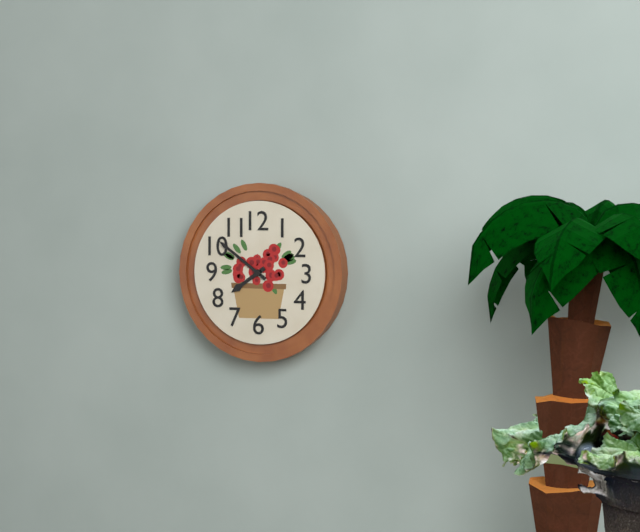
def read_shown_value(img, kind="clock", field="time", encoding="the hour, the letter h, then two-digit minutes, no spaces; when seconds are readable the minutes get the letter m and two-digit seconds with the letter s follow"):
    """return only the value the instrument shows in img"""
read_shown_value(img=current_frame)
7h51
